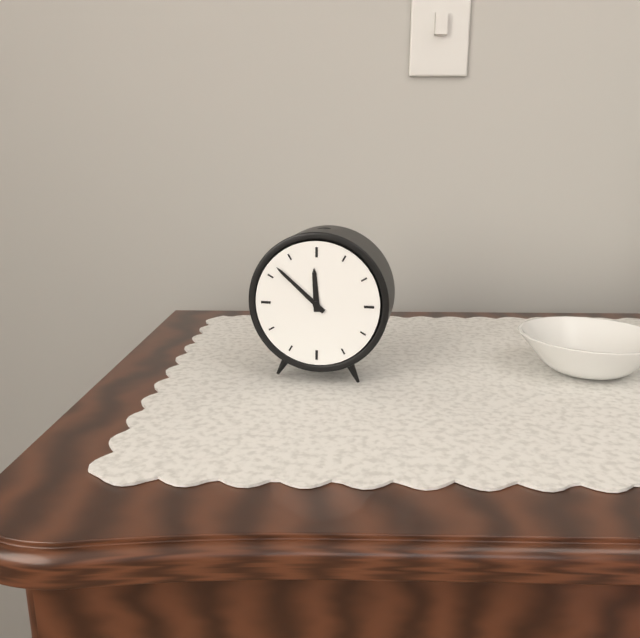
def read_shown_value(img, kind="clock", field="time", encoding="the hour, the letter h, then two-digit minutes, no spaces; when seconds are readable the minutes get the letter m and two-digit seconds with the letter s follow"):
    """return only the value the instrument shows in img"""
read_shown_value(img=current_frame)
11h52
